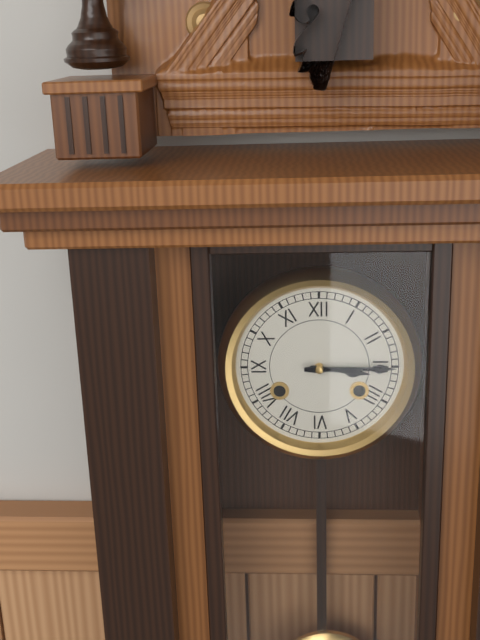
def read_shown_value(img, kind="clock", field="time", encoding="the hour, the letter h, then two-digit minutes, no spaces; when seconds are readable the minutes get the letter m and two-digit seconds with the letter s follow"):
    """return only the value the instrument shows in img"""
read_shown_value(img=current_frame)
3h15
